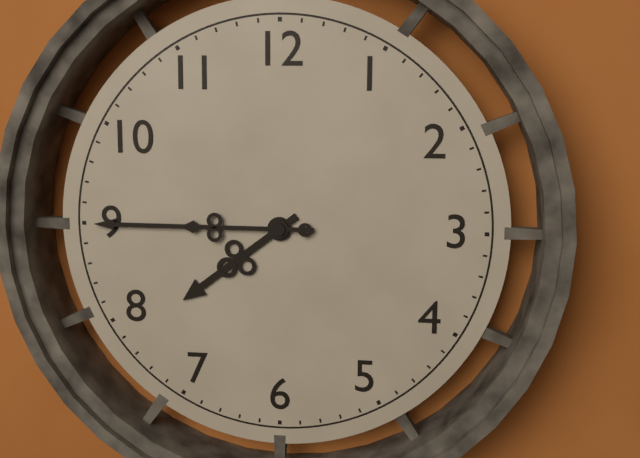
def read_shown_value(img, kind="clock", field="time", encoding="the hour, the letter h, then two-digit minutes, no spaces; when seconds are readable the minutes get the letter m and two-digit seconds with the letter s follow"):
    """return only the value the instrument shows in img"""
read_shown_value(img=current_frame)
7h45
